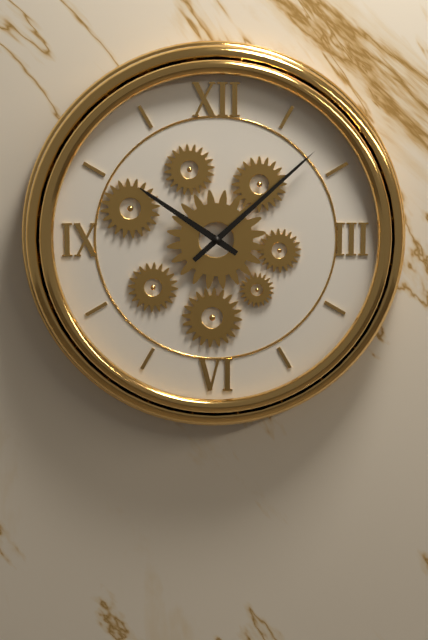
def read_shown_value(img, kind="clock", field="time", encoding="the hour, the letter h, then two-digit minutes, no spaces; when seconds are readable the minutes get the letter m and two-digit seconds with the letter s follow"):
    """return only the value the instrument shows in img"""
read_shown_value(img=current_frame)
10h08
